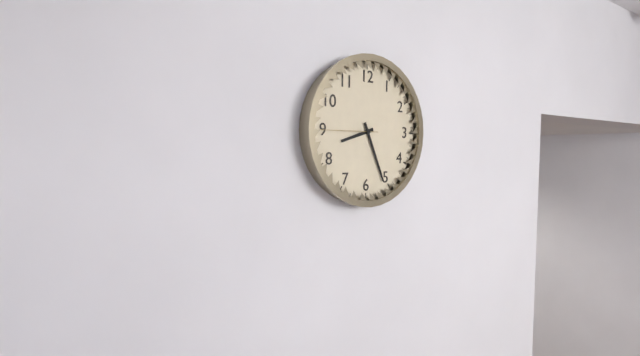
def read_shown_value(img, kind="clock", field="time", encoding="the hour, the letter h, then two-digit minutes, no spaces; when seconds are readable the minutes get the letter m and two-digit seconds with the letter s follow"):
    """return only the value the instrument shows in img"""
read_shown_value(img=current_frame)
8h26m45s
